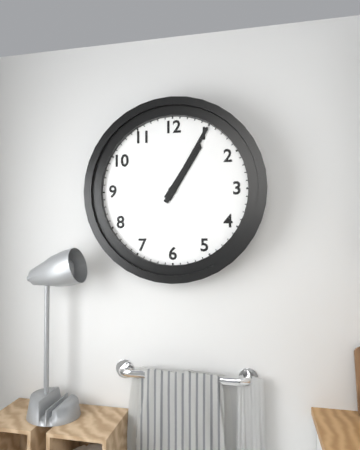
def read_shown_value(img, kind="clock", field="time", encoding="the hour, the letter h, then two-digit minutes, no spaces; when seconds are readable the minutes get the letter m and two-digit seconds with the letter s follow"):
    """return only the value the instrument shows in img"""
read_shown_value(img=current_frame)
1h05
